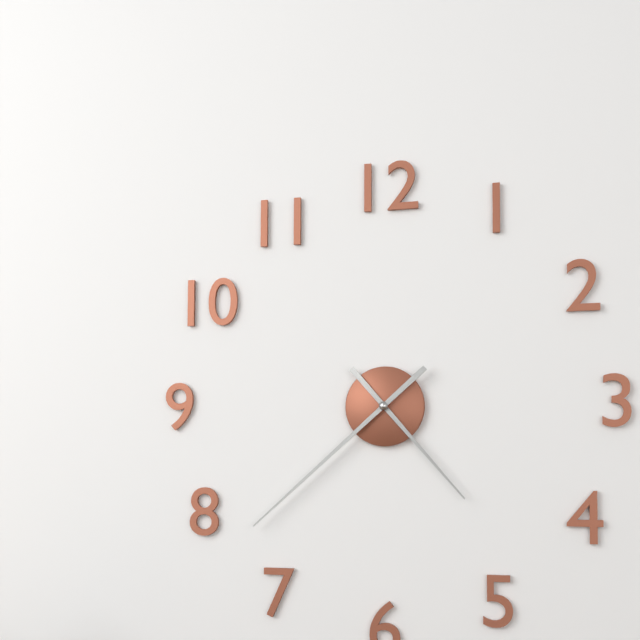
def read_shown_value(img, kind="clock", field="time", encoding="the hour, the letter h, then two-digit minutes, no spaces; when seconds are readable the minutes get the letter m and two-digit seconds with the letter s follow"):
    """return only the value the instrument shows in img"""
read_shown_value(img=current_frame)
4h38
